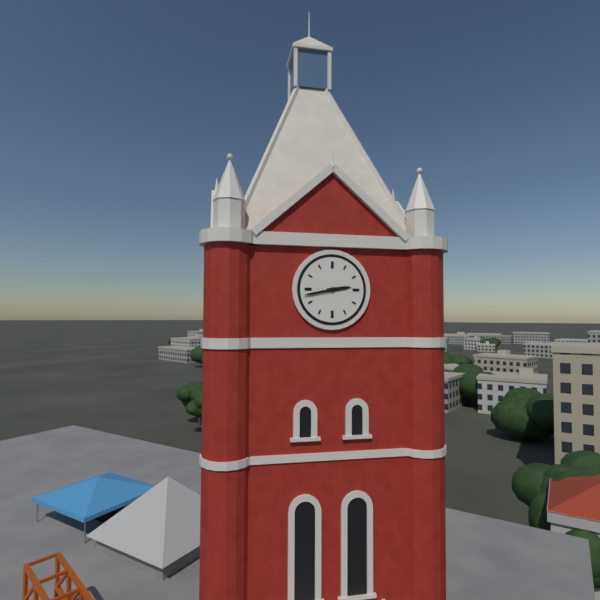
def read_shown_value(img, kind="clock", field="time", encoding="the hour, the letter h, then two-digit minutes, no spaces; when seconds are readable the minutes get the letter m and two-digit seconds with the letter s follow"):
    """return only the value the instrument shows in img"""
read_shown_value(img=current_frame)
2h43
